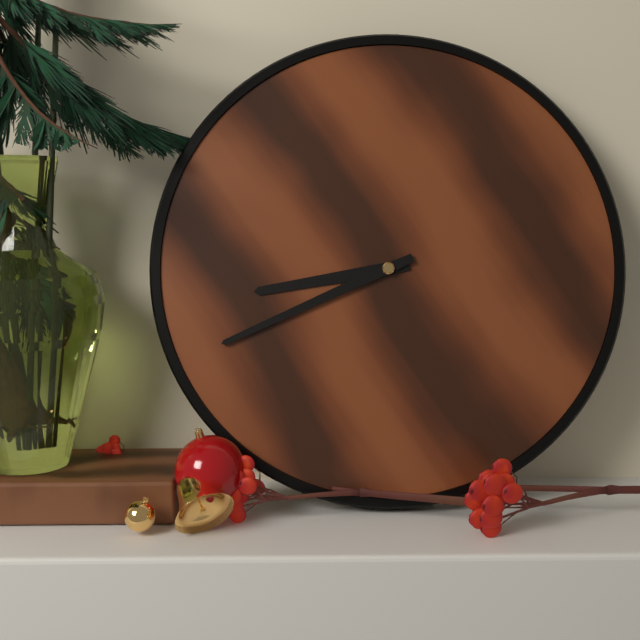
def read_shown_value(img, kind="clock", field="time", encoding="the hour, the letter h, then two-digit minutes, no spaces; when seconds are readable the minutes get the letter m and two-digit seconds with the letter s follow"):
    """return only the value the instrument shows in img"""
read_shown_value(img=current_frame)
8h41
